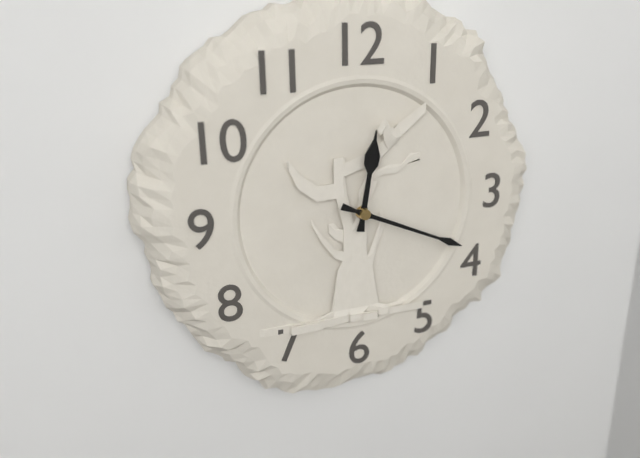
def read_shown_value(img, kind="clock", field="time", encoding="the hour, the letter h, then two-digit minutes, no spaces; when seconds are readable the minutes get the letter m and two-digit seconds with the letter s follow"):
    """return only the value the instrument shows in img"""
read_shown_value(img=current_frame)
12h19
